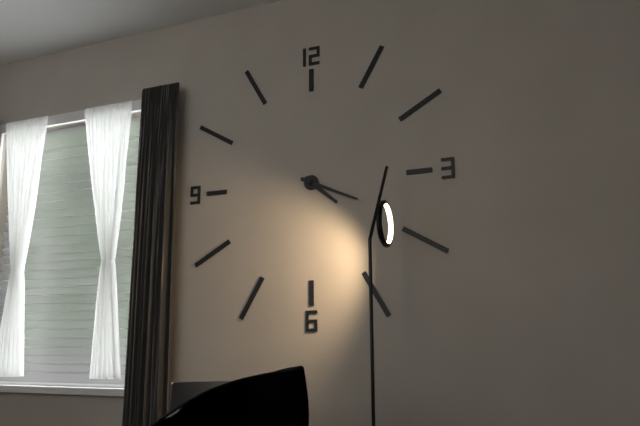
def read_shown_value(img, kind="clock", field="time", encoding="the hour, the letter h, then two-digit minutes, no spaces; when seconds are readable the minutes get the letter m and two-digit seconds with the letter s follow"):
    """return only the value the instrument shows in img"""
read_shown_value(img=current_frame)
4h19
